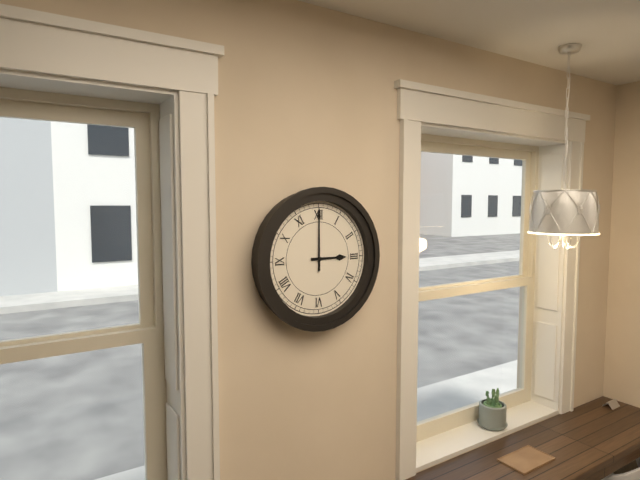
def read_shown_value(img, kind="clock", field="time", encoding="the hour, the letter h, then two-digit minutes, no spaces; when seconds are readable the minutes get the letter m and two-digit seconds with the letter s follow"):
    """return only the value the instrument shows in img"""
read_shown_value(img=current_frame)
3h00
